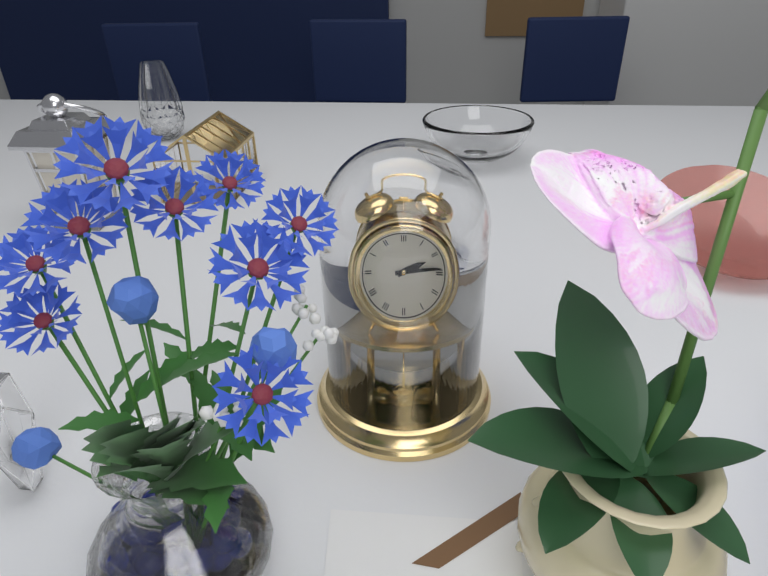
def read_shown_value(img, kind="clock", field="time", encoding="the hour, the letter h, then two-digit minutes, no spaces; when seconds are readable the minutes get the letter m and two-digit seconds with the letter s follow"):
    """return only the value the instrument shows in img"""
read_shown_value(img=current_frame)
2h14
